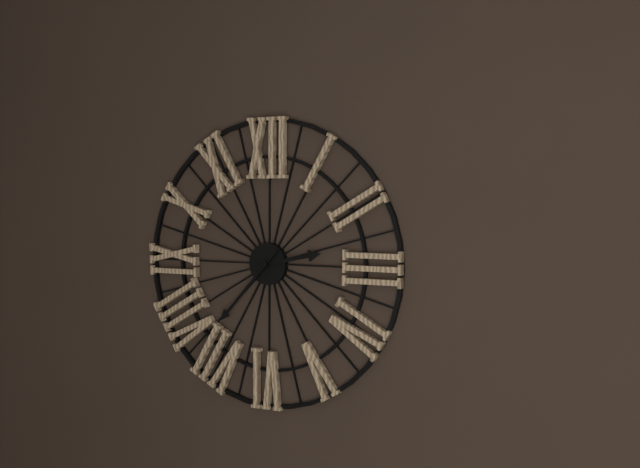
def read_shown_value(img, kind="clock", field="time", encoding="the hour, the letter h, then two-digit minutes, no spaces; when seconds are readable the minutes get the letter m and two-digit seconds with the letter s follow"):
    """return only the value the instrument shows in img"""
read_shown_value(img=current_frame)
2h37
